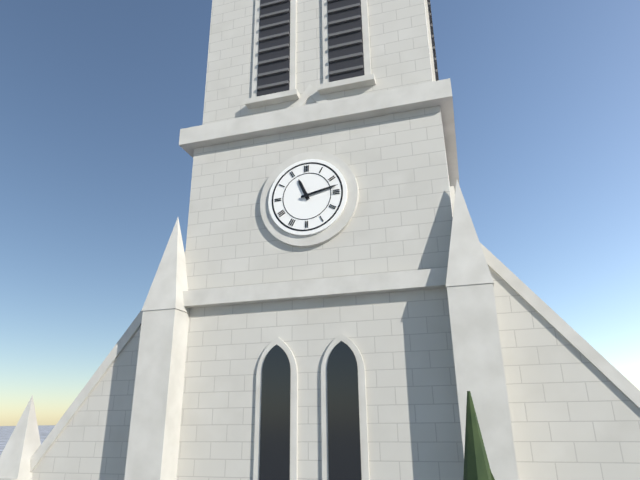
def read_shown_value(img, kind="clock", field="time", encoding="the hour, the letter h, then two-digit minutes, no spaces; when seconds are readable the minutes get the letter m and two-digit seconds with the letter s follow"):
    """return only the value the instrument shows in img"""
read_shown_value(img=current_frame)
11h13
